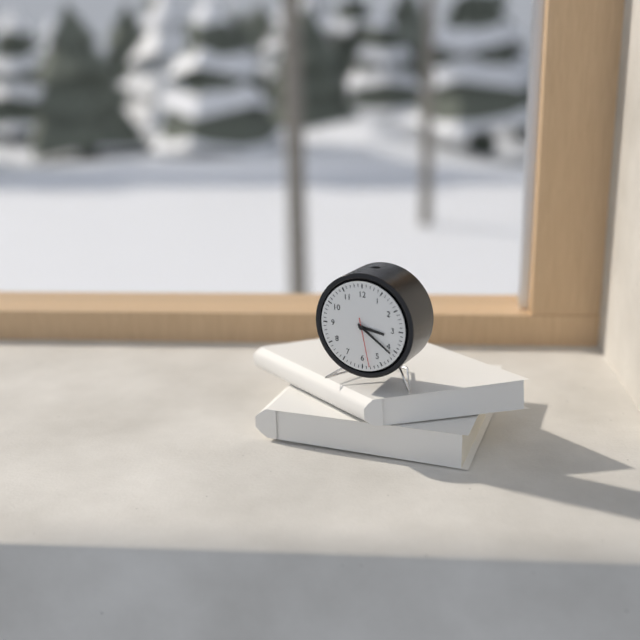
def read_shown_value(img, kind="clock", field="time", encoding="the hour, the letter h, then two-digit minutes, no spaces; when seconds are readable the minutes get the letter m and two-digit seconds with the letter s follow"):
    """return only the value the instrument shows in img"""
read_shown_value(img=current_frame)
3h21m28s
